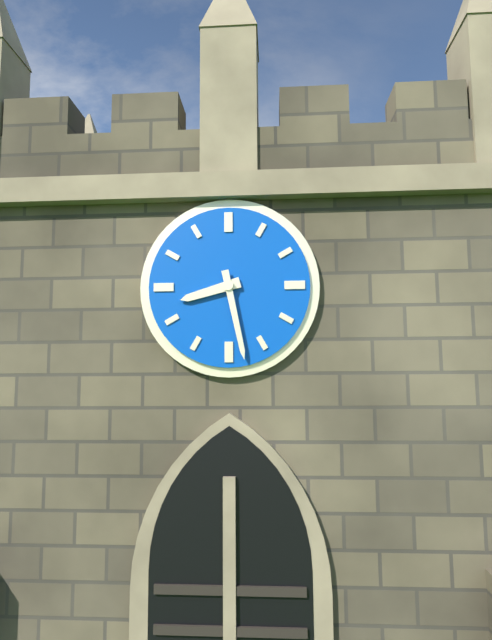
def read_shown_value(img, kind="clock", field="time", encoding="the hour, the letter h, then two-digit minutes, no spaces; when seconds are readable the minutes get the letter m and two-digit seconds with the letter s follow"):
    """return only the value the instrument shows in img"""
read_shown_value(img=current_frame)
8h28
